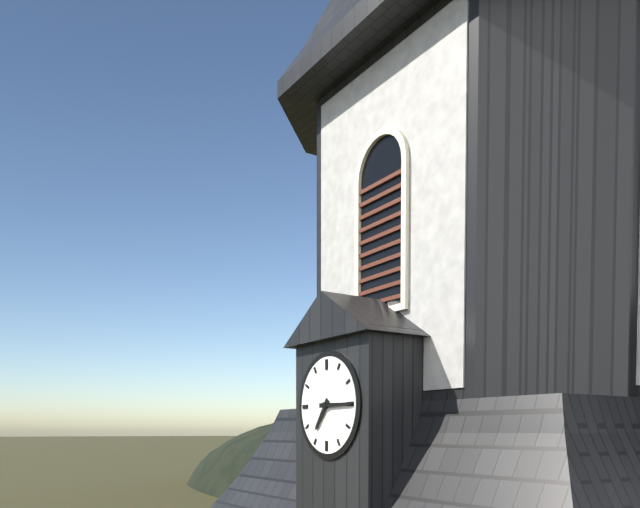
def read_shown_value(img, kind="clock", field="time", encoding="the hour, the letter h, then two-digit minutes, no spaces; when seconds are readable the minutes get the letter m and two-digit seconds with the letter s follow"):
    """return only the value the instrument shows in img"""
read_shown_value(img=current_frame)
7h15
